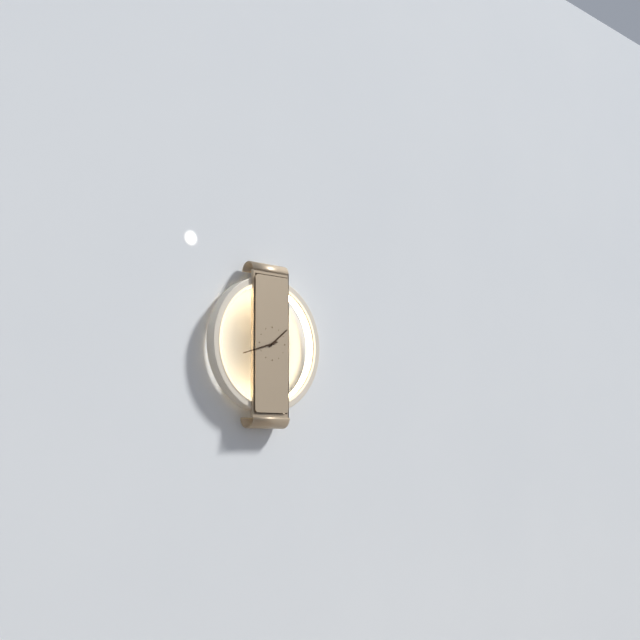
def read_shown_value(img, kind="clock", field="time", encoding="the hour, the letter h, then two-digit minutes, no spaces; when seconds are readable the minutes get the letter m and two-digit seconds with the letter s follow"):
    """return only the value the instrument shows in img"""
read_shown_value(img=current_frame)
1h42
